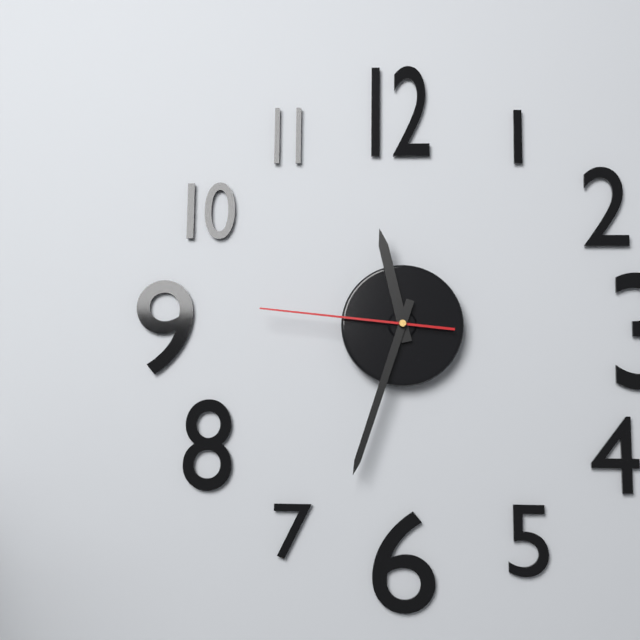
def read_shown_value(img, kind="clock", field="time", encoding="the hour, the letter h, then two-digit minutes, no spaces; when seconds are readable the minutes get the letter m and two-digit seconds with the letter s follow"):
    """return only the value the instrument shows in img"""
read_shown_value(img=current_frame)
11h33m46s
